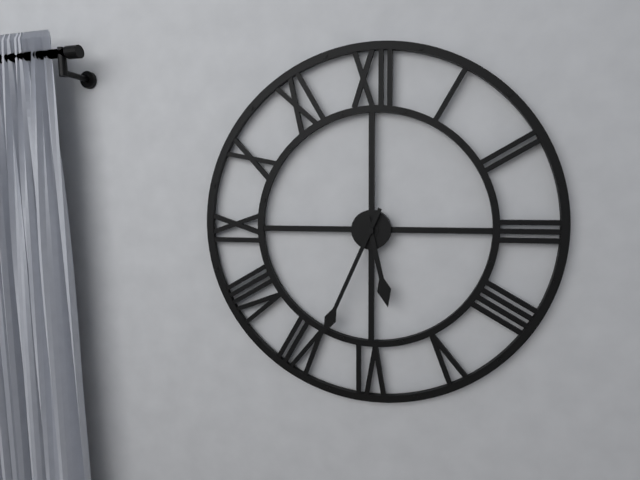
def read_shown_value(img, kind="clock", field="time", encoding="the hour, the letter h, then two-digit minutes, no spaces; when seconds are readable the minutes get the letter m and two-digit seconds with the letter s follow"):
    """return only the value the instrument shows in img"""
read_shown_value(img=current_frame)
5h34
